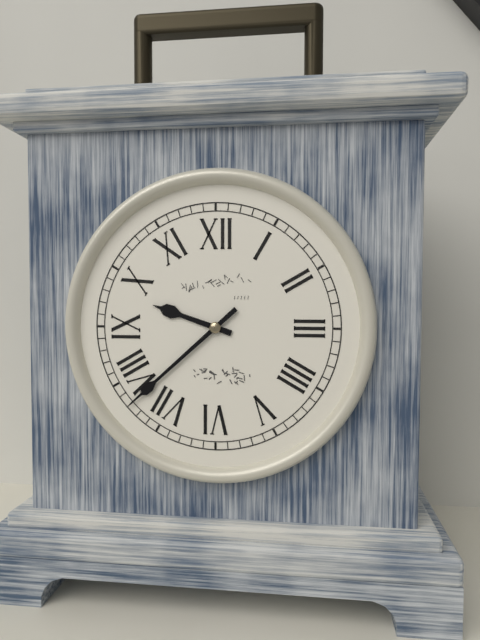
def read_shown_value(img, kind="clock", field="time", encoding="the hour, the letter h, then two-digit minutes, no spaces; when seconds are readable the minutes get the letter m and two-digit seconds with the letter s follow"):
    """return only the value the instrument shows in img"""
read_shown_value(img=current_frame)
9h38
